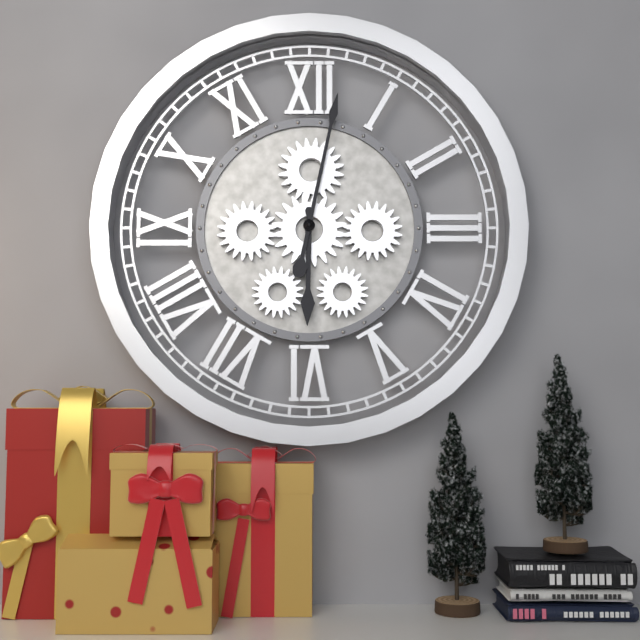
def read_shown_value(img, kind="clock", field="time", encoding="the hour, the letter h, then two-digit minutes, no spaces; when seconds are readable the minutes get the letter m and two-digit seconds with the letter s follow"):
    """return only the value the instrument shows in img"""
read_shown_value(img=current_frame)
6h02
